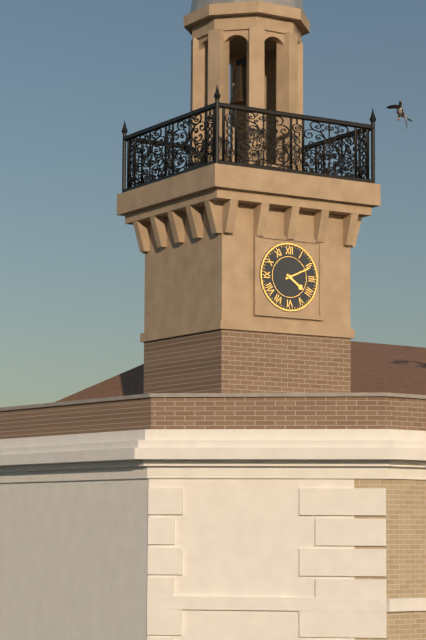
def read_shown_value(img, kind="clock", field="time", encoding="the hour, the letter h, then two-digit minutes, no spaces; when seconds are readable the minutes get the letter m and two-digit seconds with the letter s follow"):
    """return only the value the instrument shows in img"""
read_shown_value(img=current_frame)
4h11
